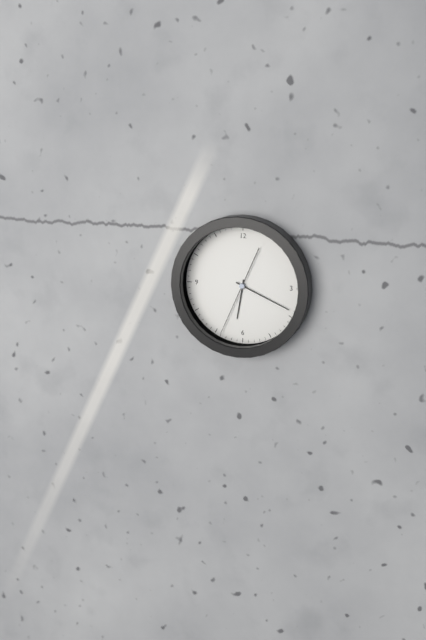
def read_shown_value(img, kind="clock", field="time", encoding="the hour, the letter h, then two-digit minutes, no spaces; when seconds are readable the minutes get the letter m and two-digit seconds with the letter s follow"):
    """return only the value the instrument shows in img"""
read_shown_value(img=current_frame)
6h19m34s
